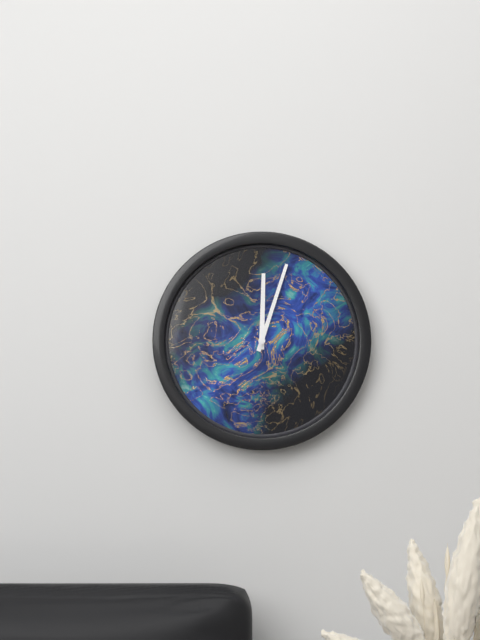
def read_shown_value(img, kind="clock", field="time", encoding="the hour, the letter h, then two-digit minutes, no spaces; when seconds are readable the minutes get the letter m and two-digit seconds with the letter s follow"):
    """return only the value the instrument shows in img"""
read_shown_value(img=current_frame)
12h03
